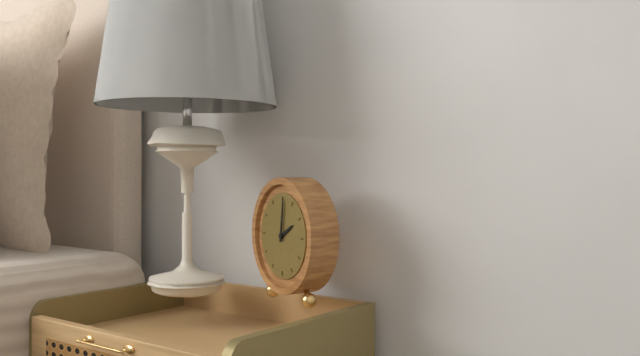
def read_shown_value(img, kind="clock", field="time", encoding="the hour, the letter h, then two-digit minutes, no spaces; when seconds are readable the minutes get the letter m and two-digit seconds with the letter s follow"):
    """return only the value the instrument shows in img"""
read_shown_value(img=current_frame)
2h01
